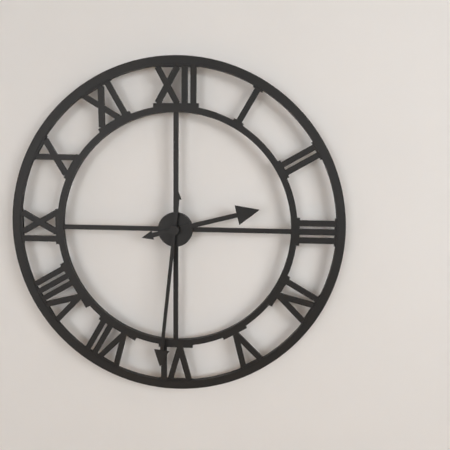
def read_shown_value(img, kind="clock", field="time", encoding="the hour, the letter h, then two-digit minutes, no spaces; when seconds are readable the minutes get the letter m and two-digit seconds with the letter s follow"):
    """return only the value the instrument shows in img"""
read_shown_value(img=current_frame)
2h31
